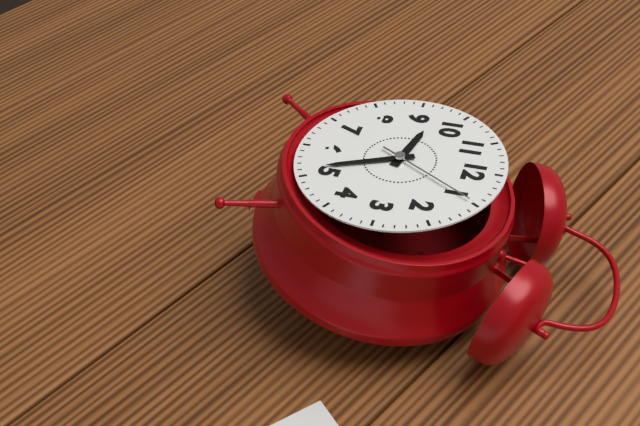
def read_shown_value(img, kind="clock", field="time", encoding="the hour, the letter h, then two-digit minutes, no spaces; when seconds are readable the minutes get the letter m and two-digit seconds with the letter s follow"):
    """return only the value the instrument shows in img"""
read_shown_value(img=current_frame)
9h26m05s
